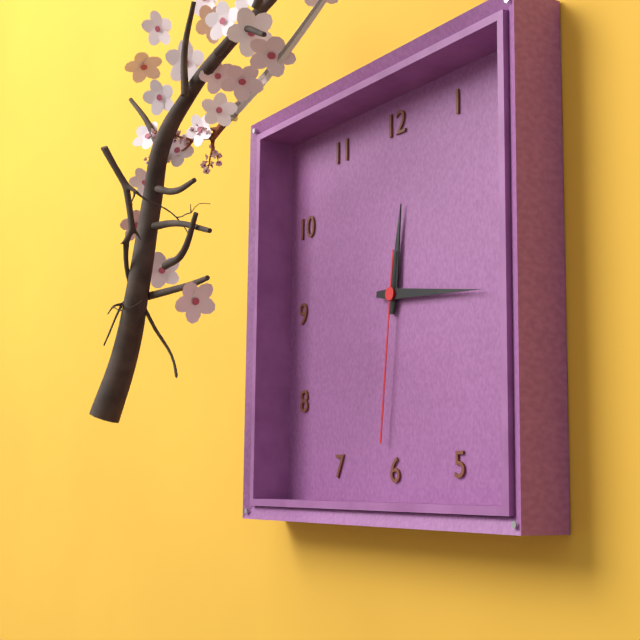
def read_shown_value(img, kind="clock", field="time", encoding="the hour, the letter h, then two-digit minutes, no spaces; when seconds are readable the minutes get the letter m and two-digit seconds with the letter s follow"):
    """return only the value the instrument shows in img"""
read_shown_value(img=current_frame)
12h16m31s
